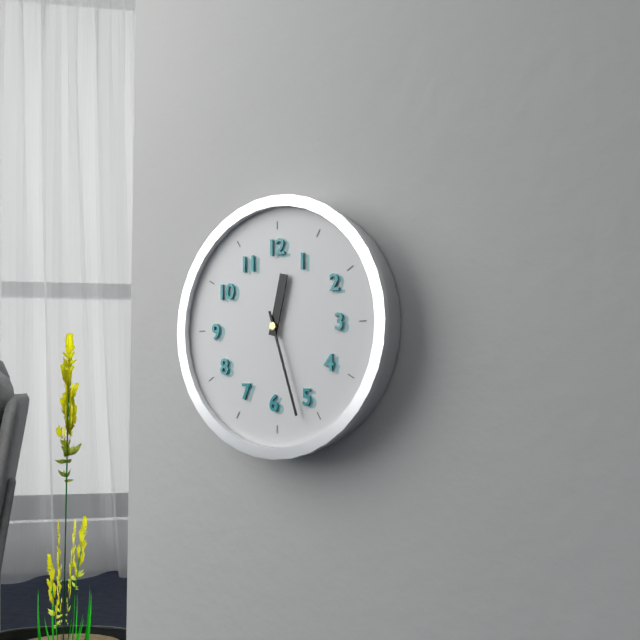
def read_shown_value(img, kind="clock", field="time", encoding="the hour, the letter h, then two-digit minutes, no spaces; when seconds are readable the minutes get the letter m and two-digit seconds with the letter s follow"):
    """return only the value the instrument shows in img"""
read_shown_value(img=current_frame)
12h27
